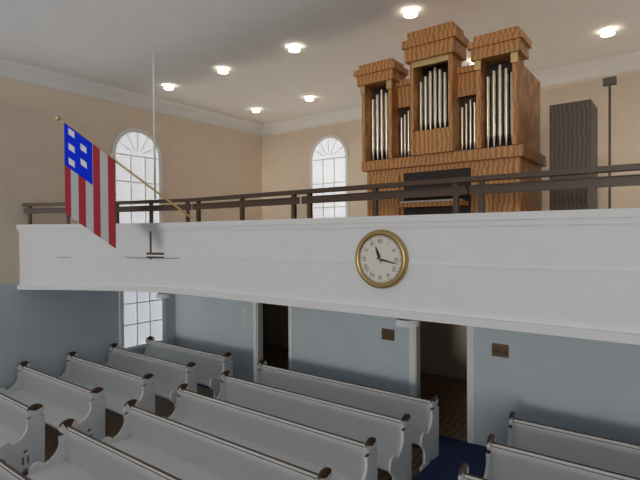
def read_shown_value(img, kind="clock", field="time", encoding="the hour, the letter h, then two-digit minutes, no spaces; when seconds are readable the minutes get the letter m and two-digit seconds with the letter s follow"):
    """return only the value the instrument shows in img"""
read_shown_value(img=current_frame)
11h17
